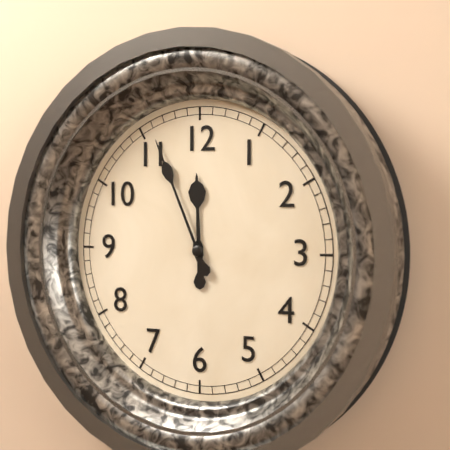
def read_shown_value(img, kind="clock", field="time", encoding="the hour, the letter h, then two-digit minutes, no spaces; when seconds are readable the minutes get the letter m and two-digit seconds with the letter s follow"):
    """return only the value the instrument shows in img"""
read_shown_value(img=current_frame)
11h56
